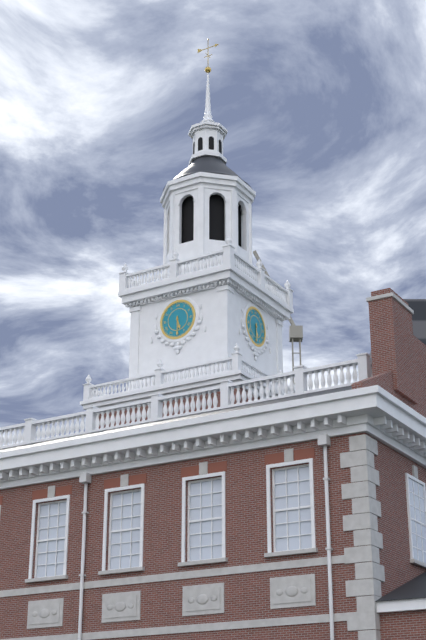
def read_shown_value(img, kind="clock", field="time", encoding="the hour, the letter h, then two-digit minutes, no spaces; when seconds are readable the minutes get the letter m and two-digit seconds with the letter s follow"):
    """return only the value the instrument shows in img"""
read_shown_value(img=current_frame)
5h30
